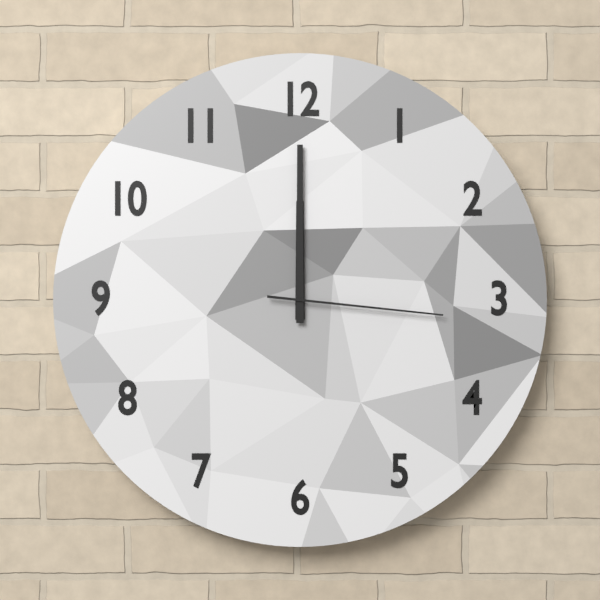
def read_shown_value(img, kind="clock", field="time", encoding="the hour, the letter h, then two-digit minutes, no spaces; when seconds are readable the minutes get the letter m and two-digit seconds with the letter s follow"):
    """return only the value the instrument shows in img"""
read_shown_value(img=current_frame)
12h00m16s
